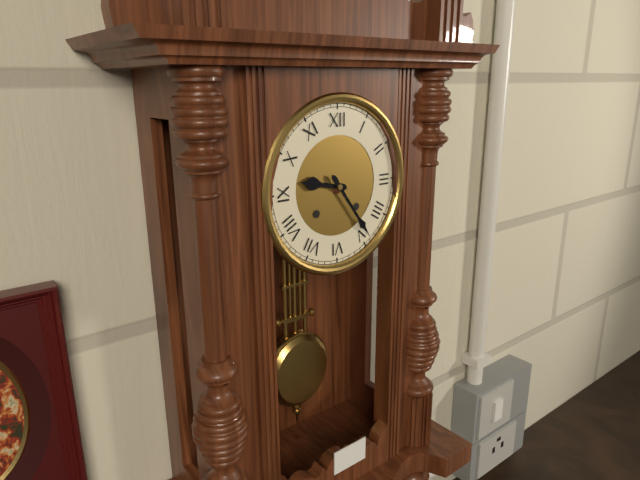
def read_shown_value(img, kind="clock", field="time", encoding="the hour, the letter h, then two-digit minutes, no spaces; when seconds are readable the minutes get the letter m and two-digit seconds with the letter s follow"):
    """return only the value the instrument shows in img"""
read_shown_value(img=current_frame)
9h24
